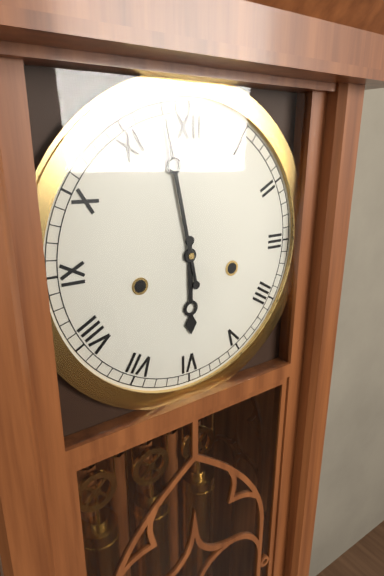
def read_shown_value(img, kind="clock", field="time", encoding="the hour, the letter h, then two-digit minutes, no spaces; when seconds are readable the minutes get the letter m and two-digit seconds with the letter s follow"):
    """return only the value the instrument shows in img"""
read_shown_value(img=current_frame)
5h58
